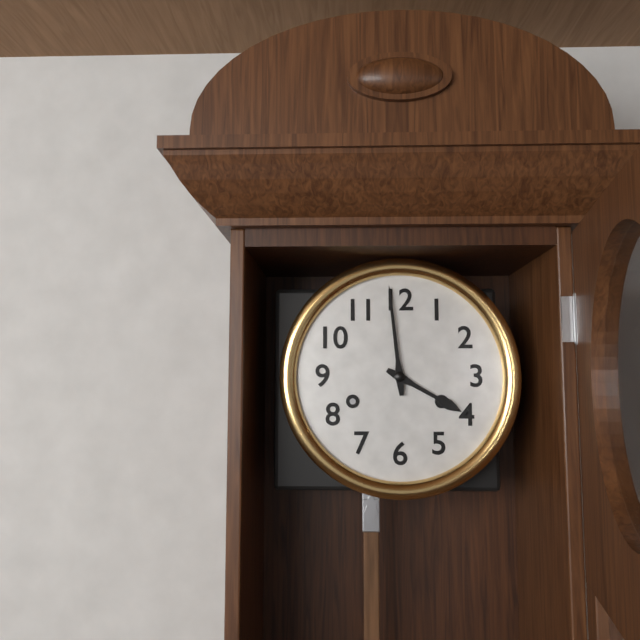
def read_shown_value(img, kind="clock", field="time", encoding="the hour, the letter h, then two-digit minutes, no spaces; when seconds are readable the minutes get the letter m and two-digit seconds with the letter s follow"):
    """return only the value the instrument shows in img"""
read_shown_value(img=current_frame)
3h59
